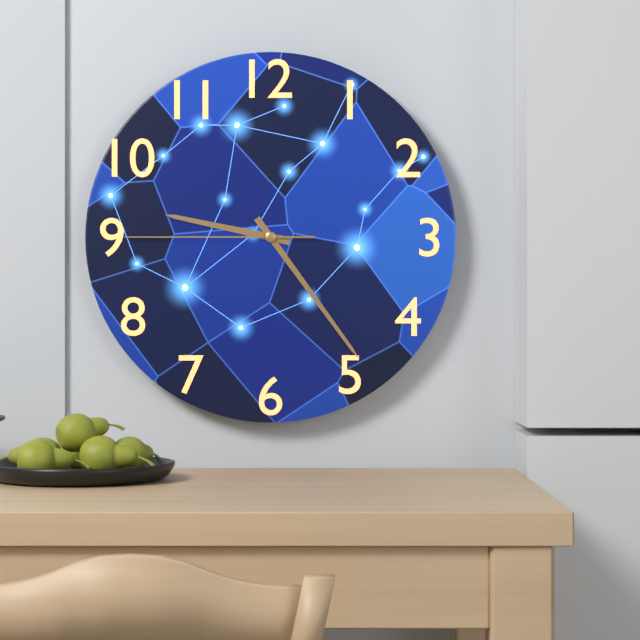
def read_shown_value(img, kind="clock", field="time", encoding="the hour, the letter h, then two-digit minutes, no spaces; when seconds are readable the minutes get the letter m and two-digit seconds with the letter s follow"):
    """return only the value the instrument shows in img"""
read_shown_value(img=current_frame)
9h24m45s
